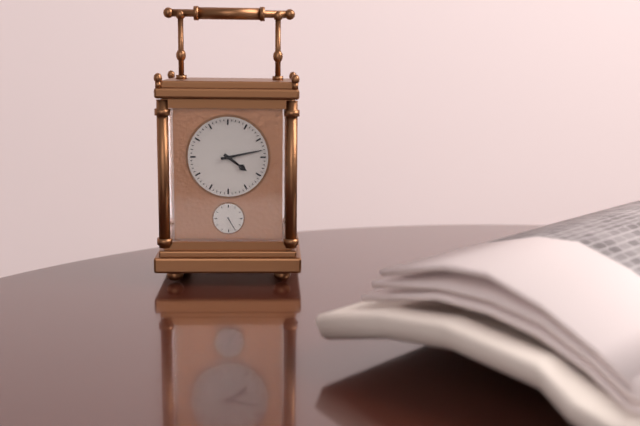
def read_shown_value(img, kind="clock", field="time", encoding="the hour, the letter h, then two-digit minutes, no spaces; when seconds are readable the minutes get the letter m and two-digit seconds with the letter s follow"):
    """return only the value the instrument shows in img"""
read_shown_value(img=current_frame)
4h13
